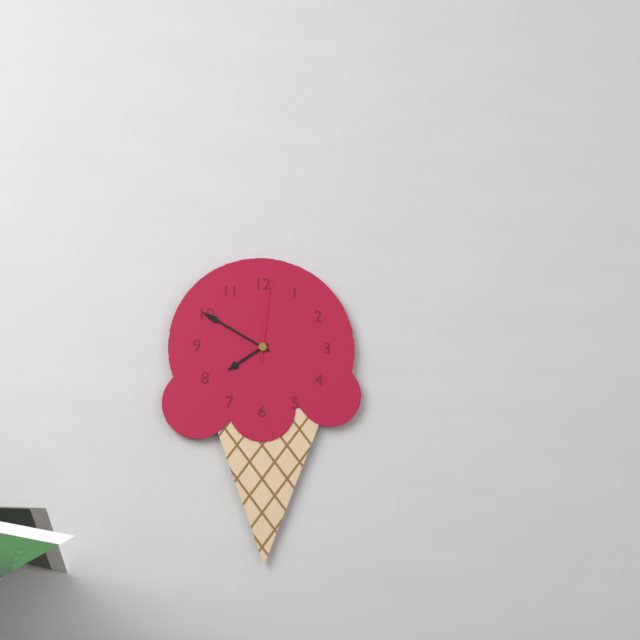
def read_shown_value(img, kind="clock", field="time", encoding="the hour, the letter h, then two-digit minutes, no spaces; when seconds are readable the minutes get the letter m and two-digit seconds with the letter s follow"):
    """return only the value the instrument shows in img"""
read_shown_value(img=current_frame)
7h50m01s
